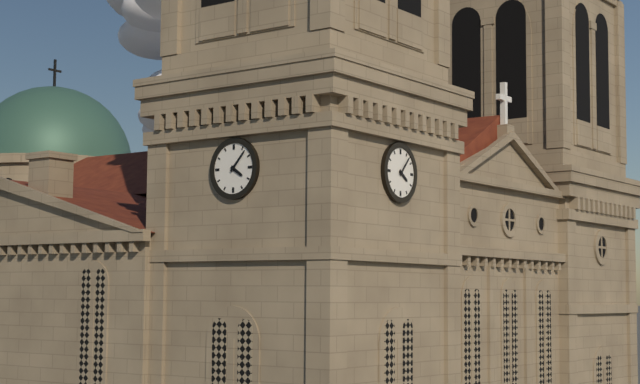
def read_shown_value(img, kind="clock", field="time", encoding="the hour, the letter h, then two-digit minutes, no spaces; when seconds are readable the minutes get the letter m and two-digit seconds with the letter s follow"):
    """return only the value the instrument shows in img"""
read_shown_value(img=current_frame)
4h07
